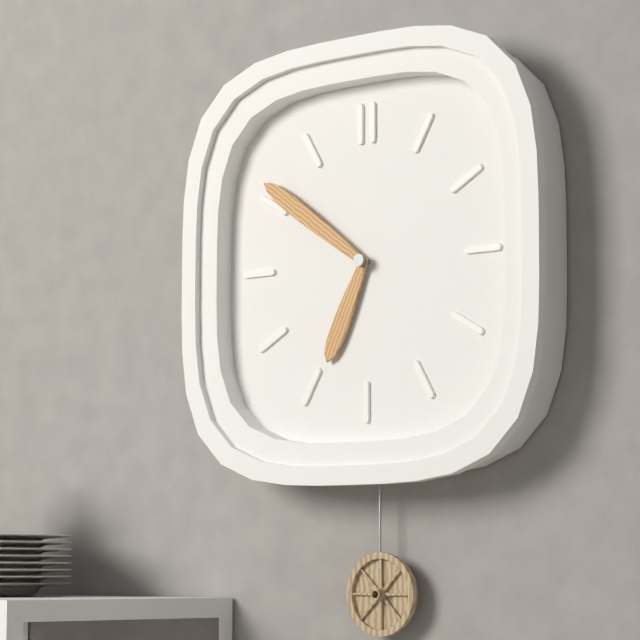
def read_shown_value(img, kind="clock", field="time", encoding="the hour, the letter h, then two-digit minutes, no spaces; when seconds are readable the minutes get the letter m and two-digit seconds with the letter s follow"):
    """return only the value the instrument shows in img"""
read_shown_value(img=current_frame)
6h51
